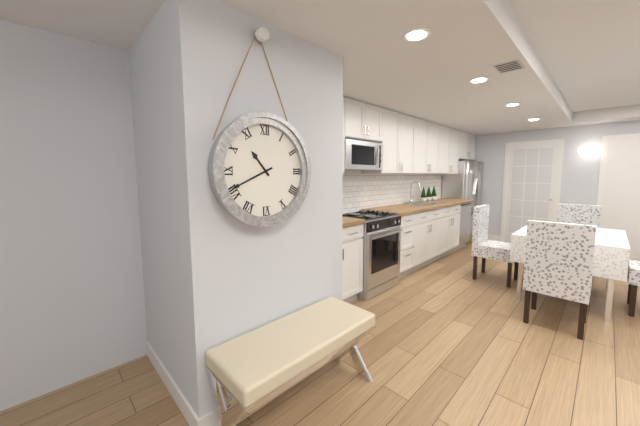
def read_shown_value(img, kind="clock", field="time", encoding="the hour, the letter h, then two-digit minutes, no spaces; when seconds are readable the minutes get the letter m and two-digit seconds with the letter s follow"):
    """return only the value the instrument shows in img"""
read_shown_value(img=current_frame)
10h41
